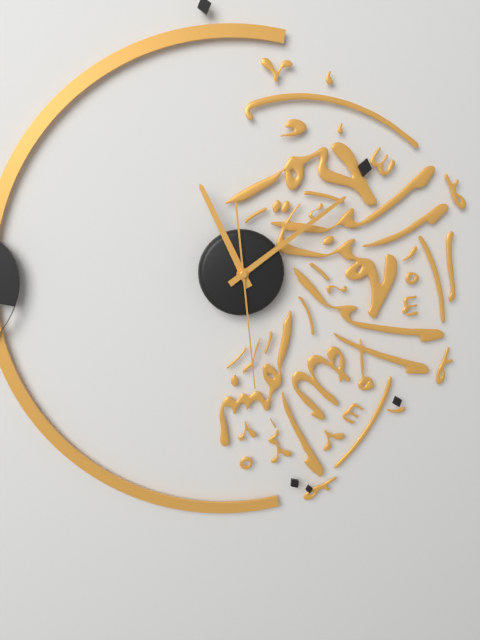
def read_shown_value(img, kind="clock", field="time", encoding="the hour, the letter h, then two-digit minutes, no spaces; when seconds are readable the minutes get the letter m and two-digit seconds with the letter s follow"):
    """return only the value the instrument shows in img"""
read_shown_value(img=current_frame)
11h09m29s
